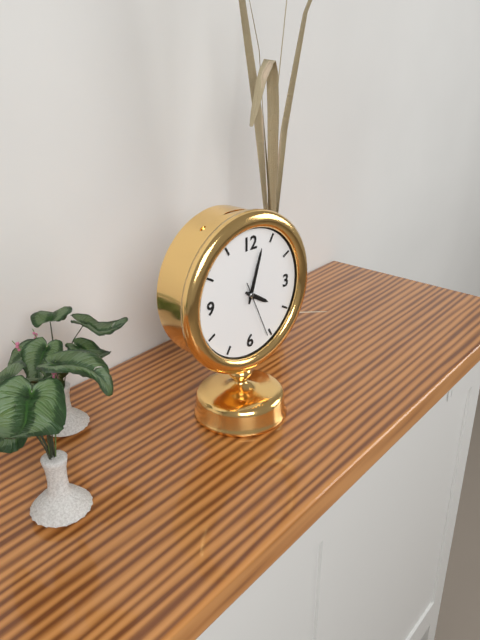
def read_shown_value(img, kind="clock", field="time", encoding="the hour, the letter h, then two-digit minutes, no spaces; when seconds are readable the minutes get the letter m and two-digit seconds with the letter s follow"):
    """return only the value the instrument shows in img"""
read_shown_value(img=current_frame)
4h03m26s
